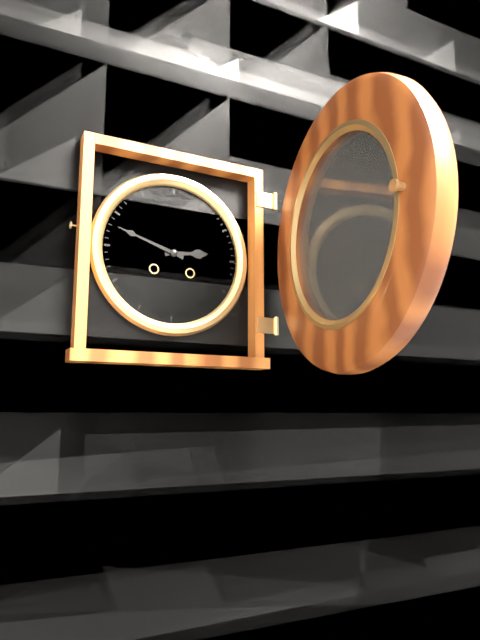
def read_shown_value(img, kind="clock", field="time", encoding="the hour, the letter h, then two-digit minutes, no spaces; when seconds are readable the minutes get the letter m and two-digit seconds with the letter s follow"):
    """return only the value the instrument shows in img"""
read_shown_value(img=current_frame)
2h48
